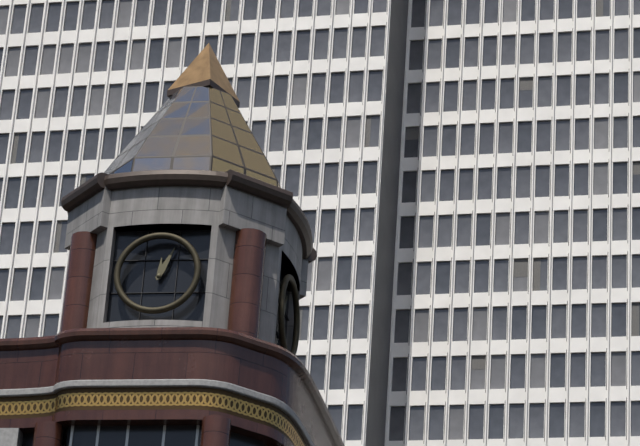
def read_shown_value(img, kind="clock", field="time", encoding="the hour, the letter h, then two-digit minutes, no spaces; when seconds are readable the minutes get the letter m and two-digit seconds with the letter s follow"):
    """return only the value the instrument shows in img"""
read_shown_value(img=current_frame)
12h04
